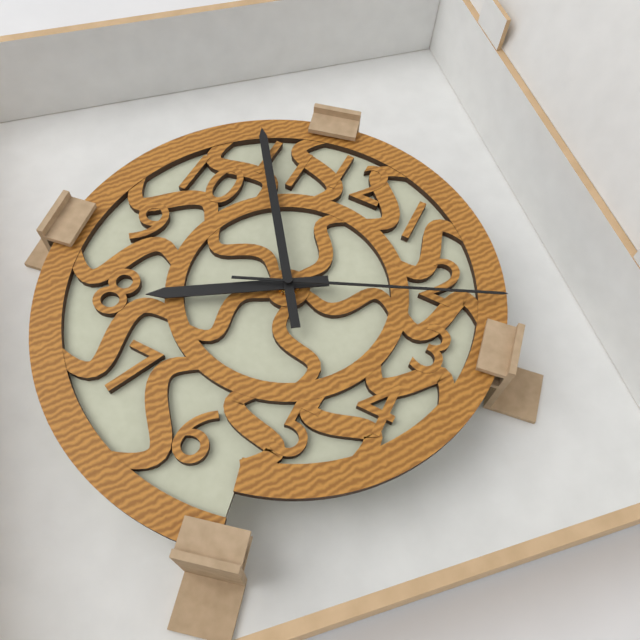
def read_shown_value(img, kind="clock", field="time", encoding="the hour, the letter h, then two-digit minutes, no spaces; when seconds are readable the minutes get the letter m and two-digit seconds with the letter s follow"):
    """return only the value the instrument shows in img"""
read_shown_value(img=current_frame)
7h54m11s
